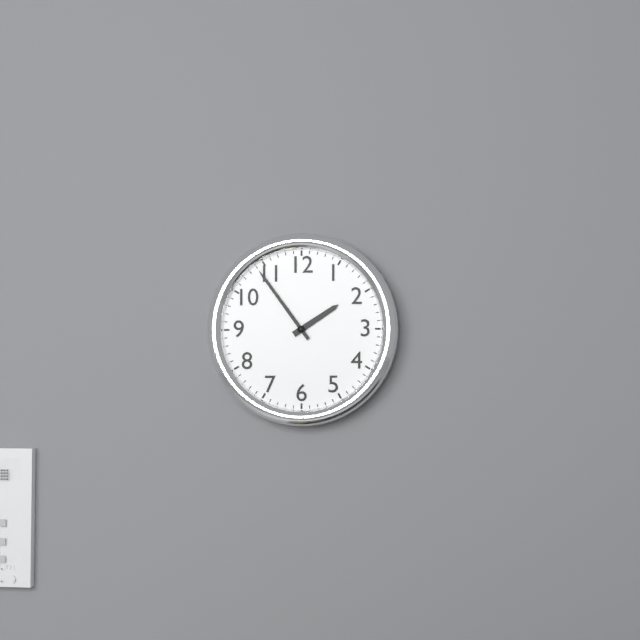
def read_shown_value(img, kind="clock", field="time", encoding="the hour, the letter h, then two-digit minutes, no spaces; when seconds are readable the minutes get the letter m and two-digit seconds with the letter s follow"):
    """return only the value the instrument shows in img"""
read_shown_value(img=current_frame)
1h54
